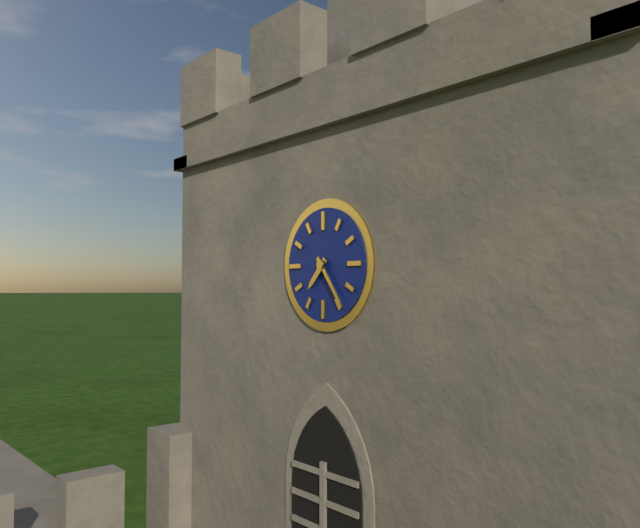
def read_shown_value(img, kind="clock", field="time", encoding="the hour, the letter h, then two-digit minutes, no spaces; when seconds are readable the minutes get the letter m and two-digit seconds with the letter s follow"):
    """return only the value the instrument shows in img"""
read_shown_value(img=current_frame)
7h24
